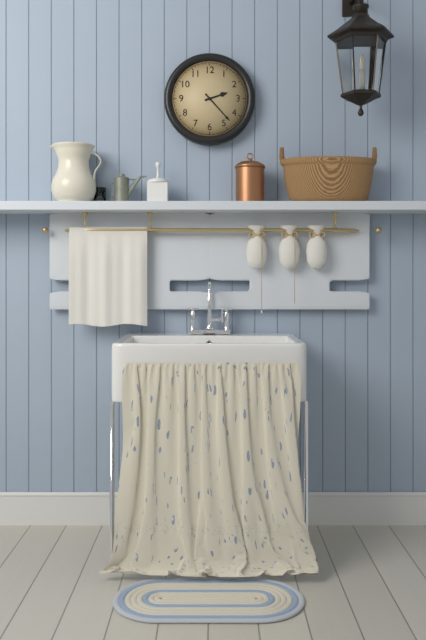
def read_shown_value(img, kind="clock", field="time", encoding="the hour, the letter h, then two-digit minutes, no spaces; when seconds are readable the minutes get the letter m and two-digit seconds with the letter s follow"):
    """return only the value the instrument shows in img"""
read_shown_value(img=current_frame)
2h23
